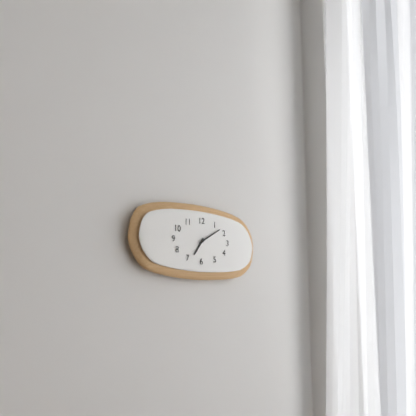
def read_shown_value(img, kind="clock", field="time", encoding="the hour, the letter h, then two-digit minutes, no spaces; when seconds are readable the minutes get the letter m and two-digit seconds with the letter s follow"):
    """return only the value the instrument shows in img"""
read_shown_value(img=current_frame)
7h10
